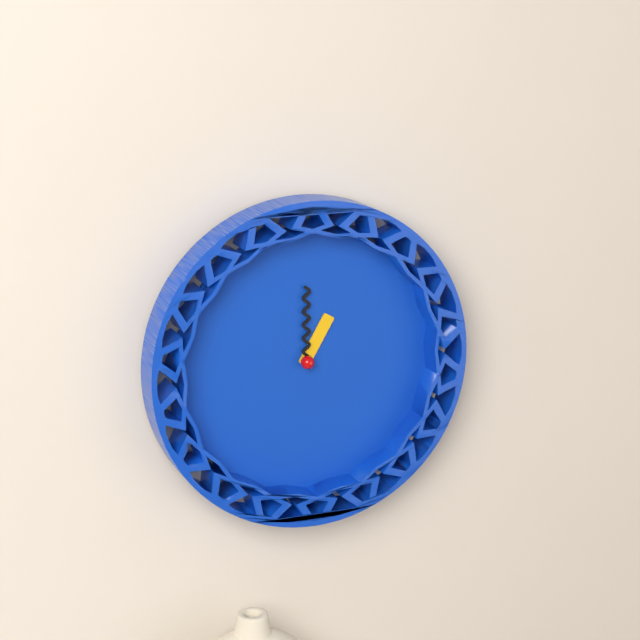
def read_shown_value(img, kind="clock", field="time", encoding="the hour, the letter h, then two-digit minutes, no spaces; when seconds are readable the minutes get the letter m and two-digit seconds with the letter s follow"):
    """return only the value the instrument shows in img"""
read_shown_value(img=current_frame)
1h00
